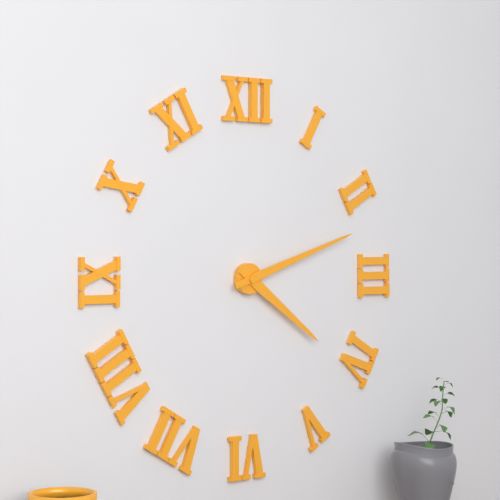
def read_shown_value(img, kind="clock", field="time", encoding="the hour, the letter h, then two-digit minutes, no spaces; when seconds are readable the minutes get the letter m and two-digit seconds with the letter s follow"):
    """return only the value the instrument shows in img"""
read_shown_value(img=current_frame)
4h12
